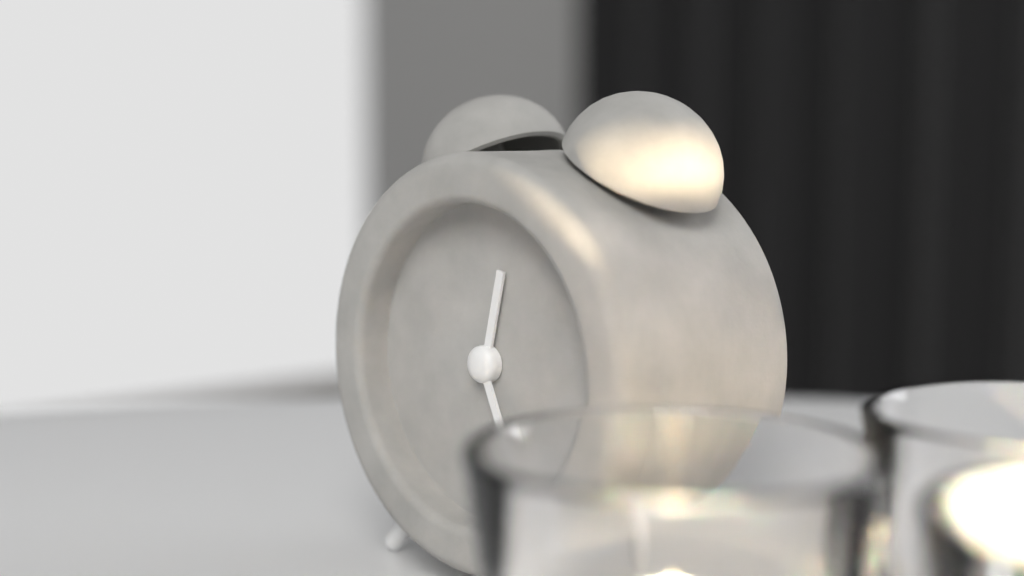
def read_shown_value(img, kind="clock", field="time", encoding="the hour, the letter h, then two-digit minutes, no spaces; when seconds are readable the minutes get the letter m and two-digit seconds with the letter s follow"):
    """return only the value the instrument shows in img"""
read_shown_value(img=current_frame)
12h26
